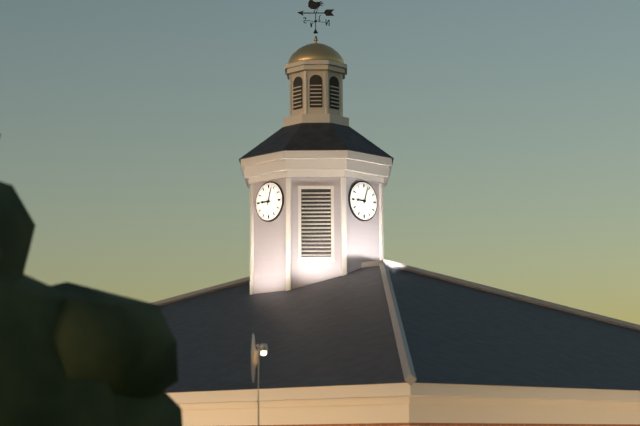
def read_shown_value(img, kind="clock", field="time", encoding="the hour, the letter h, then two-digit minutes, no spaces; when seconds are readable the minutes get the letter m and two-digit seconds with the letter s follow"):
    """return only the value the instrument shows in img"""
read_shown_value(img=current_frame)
9h03
